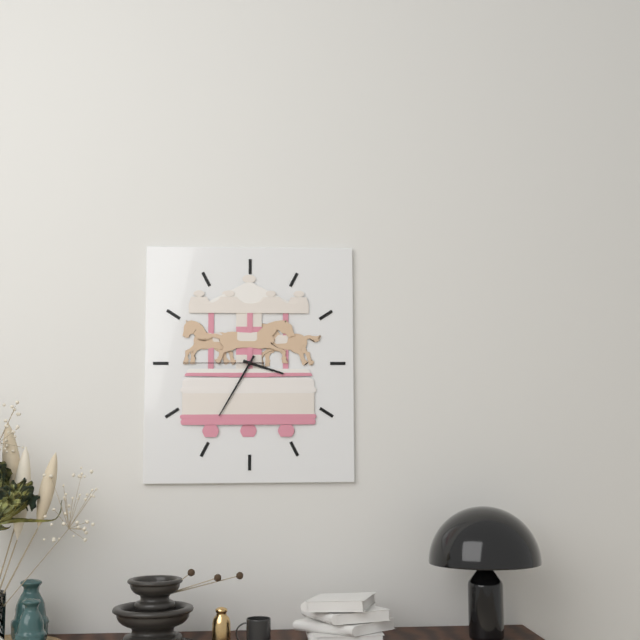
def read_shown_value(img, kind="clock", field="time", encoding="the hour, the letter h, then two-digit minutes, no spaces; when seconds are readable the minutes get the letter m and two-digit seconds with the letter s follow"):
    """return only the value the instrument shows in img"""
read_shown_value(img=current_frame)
3h35m45s
